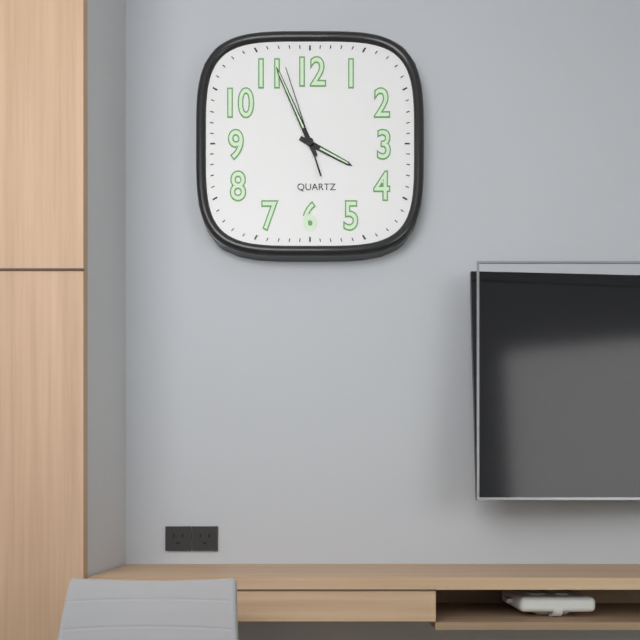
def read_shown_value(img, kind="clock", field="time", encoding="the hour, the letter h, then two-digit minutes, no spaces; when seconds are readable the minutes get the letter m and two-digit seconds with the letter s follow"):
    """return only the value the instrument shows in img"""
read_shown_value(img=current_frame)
3h56m57s
